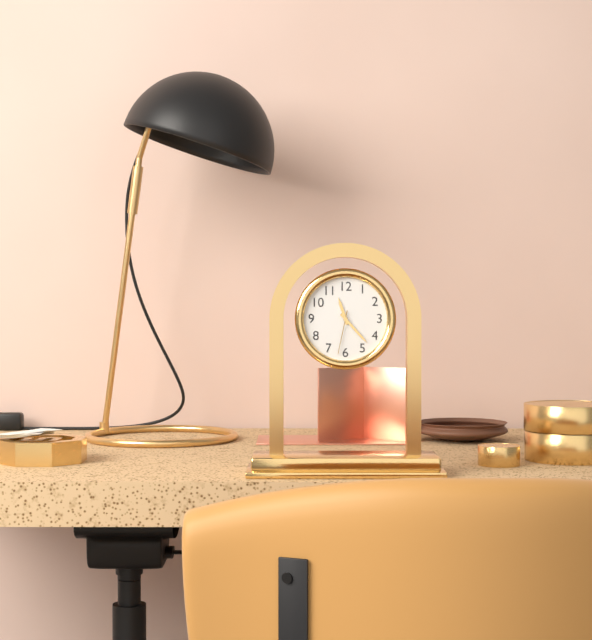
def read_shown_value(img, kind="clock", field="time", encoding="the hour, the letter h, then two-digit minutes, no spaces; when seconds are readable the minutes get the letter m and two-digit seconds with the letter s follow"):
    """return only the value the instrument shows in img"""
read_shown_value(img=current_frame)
11h23
